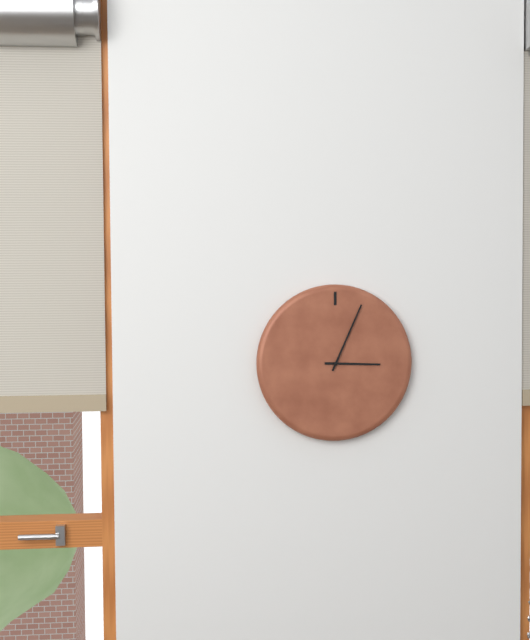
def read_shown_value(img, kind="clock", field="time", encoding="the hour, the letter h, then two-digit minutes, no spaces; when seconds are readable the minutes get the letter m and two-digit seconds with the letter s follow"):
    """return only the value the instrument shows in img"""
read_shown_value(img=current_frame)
3h04
